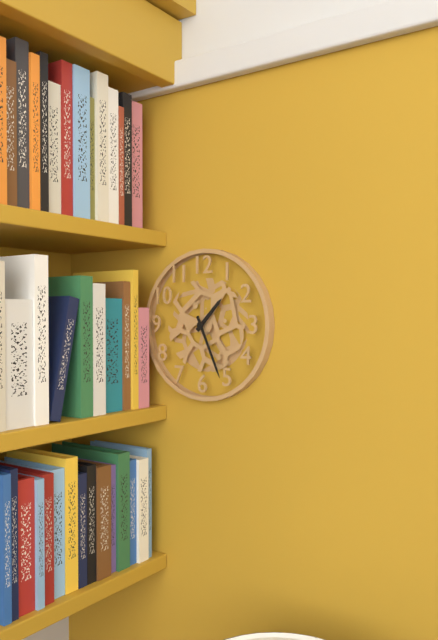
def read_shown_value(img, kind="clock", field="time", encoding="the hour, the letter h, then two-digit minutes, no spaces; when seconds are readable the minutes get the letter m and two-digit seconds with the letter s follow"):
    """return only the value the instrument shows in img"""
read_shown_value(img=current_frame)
1h26
